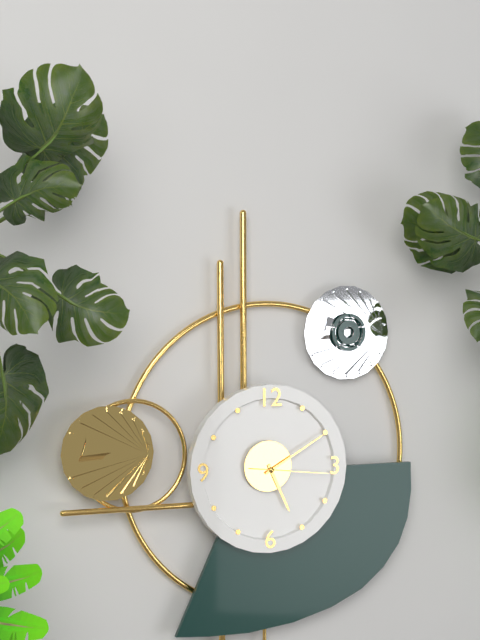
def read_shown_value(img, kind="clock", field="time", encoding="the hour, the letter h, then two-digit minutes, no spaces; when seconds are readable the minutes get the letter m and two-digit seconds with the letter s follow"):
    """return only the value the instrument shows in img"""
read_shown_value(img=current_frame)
5h10m16s
